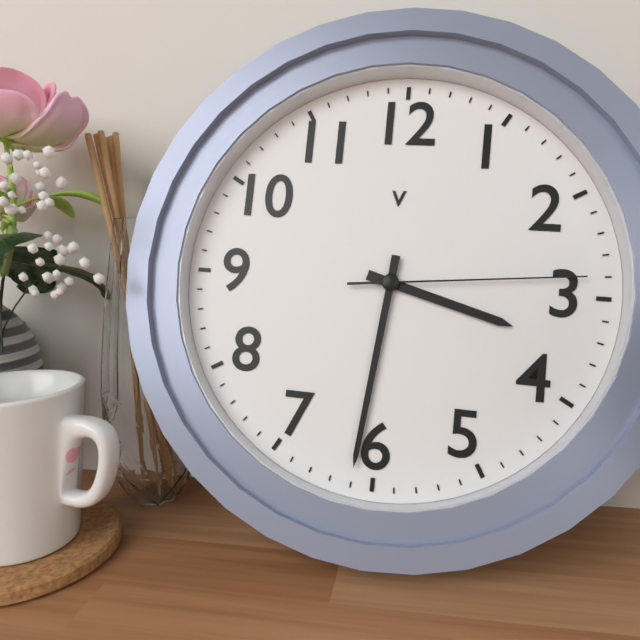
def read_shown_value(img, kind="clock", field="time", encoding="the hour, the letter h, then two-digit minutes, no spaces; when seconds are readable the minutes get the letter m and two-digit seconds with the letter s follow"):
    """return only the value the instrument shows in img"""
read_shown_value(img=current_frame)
3h31m14s
